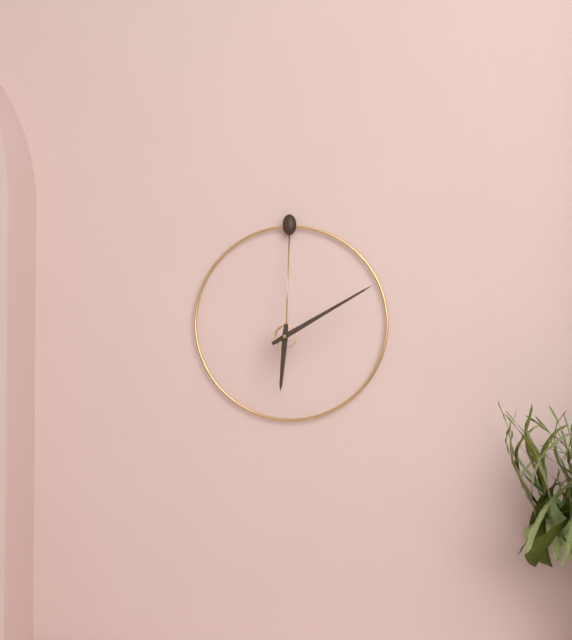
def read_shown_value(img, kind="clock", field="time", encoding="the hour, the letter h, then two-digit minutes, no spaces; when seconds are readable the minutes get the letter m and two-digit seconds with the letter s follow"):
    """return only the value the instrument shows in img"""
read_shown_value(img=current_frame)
6h10
